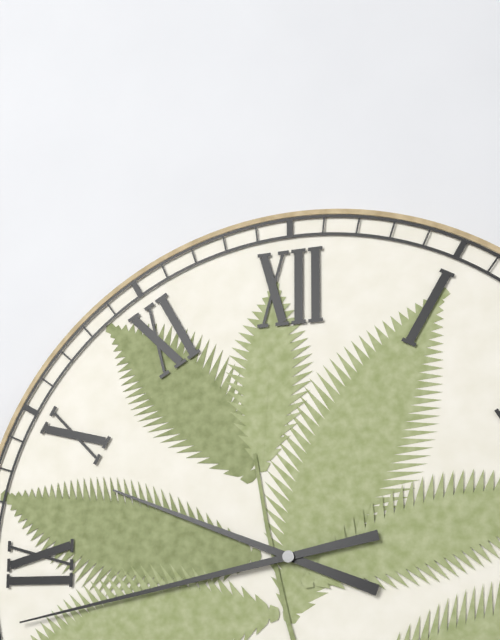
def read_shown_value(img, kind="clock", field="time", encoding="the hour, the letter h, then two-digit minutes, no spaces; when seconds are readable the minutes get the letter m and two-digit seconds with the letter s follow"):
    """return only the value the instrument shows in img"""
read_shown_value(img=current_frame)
9h43
